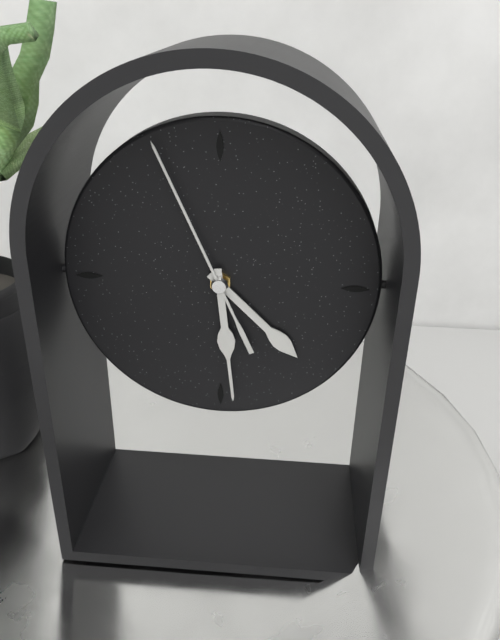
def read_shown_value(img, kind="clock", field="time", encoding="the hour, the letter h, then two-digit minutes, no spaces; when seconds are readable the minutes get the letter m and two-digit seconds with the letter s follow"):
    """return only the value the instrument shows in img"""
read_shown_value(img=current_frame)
4h29m56s
